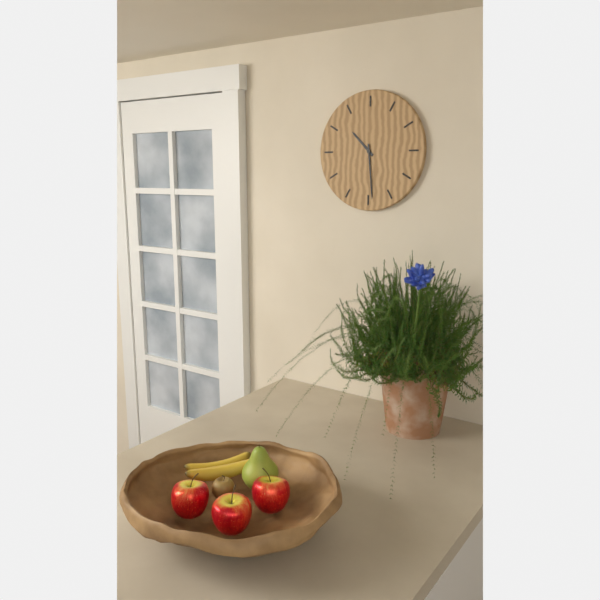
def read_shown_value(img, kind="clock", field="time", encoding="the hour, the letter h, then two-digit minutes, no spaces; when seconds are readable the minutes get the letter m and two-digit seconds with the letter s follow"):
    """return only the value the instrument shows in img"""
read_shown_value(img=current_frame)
10h29
